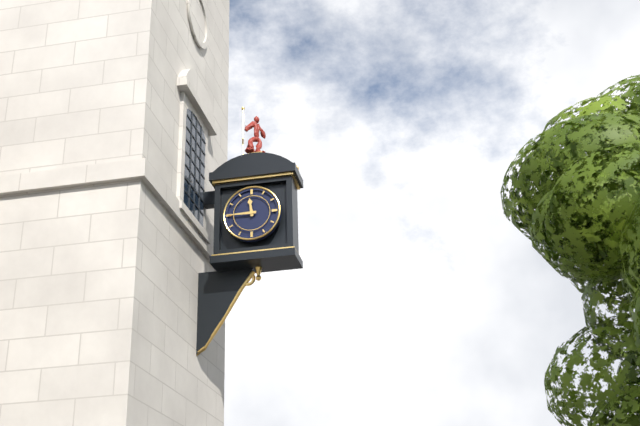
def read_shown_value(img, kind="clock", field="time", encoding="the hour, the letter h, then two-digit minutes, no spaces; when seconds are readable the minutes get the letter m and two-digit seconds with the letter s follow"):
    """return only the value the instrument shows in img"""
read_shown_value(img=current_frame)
11h45
